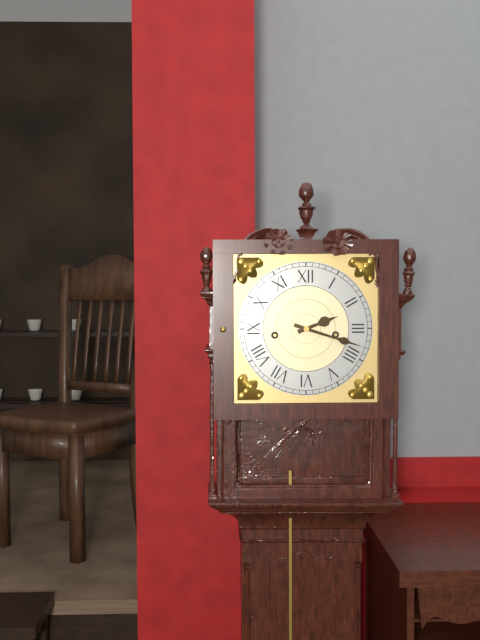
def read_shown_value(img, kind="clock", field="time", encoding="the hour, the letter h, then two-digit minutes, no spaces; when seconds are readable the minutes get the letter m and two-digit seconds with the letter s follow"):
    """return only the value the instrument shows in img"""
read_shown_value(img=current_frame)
2h18
